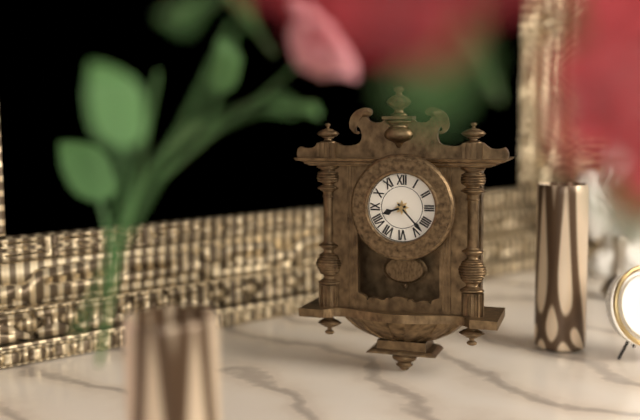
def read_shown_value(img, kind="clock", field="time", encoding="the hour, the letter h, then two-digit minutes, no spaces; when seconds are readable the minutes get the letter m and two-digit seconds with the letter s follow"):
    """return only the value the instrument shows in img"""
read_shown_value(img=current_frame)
8h23
